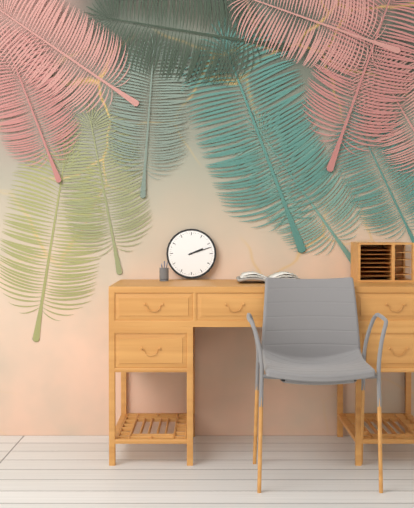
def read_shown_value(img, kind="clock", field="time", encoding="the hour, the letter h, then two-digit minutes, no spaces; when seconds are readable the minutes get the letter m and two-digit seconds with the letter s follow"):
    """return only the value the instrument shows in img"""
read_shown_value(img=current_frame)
2h12
